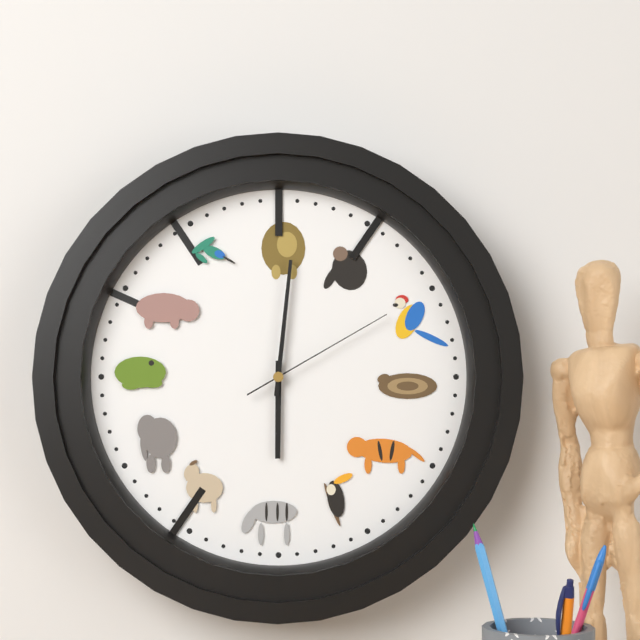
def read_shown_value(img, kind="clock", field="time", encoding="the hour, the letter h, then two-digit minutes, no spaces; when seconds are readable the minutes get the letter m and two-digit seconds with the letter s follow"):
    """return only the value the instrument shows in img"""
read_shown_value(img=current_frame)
6h01m10s
